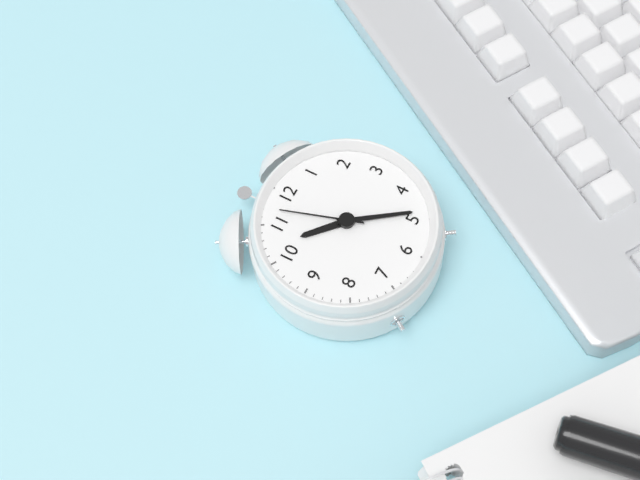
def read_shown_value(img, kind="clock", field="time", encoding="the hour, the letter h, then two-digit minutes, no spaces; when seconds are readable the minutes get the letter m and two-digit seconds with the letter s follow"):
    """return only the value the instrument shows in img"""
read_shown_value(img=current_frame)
10h24m57s
